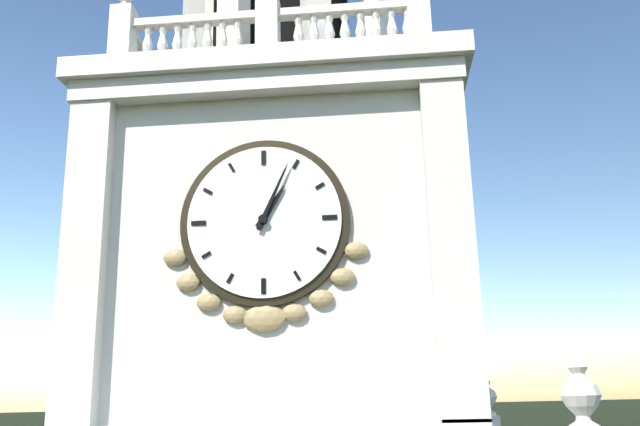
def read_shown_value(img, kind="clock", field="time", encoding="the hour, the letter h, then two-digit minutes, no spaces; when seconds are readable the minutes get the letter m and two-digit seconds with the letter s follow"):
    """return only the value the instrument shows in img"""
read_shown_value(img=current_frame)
1h04
